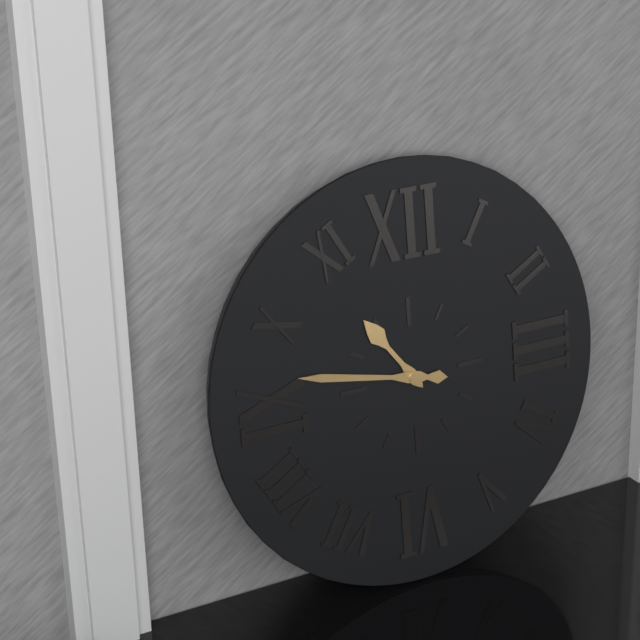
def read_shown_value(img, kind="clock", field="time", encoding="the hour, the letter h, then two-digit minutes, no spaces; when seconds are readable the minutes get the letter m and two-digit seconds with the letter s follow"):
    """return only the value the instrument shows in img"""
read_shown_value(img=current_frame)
10h47
